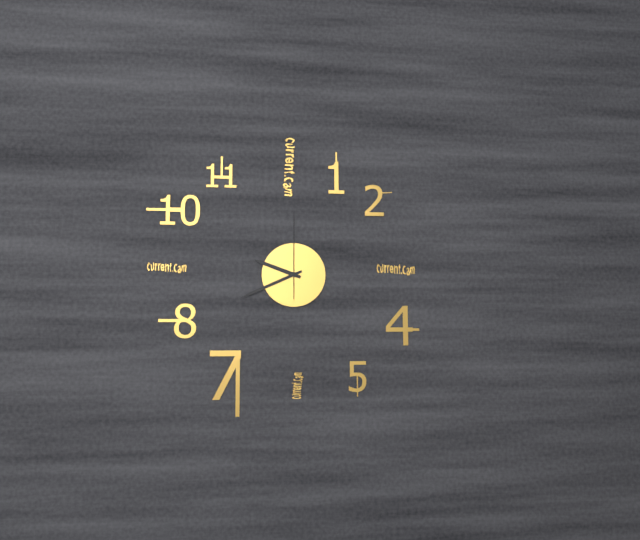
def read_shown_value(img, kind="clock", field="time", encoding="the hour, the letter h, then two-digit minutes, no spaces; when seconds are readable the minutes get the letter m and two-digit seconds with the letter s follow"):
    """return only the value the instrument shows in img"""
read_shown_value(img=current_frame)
9h41m00s
